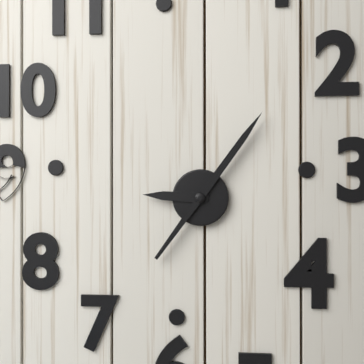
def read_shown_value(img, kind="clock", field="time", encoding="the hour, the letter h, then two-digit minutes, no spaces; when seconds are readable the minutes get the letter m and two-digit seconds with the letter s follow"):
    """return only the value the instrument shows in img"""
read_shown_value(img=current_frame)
9h06
